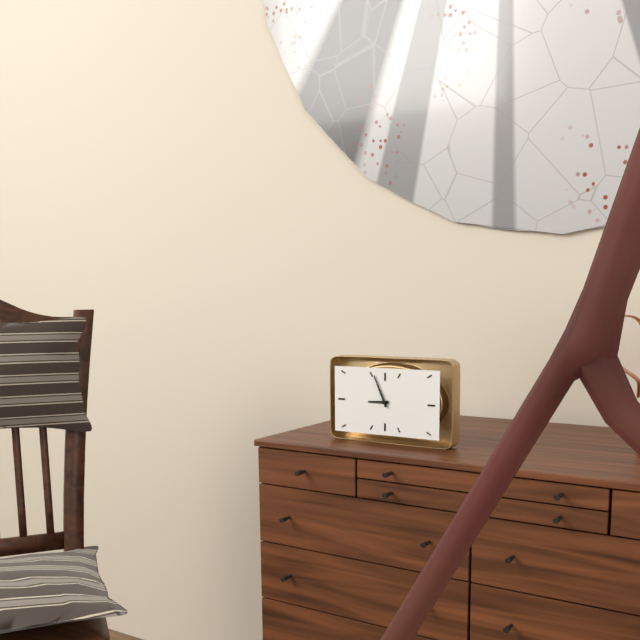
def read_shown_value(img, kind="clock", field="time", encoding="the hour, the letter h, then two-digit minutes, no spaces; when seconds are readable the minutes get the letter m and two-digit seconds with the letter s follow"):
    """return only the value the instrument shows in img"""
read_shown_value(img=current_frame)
8h56
